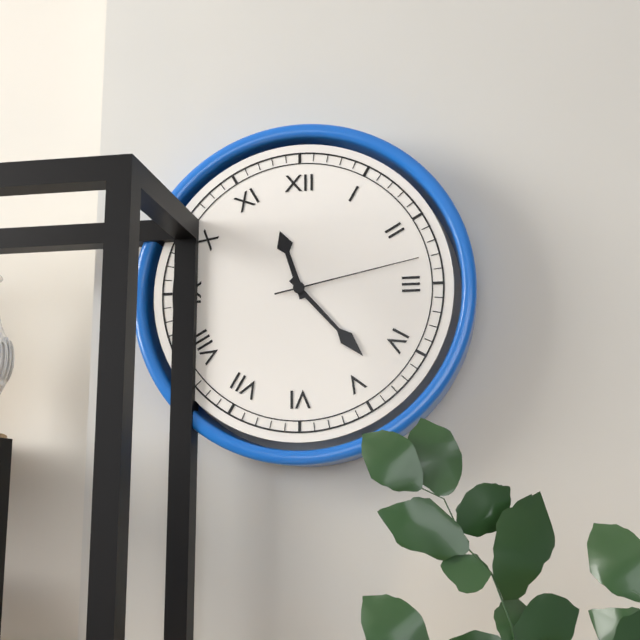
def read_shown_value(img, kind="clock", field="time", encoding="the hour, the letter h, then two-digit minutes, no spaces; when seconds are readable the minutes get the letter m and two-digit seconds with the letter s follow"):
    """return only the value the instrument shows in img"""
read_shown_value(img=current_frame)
11h23m13s
